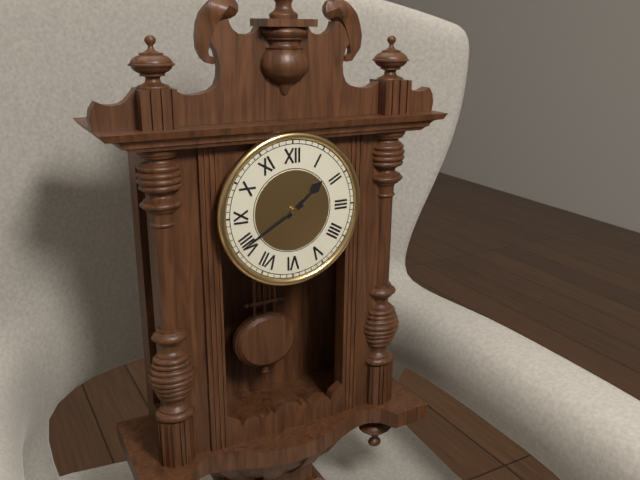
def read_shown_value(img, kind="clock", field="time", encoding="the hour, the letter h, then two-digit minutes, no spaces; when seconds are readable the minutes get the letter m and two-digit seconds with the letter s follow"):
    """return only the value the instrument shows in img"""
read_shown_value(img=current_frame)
1h40
